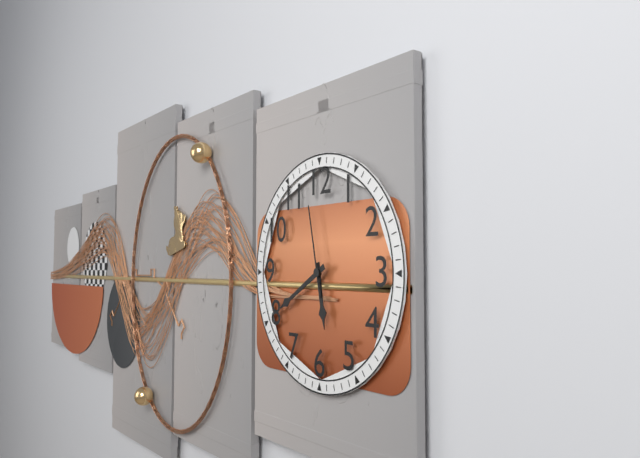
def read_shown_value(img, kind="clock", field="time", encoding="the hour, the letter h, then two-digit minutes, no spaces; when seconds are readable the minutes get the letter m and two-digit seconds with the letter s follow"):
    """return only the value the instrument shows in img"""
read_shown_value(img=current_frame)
5h40m58s
